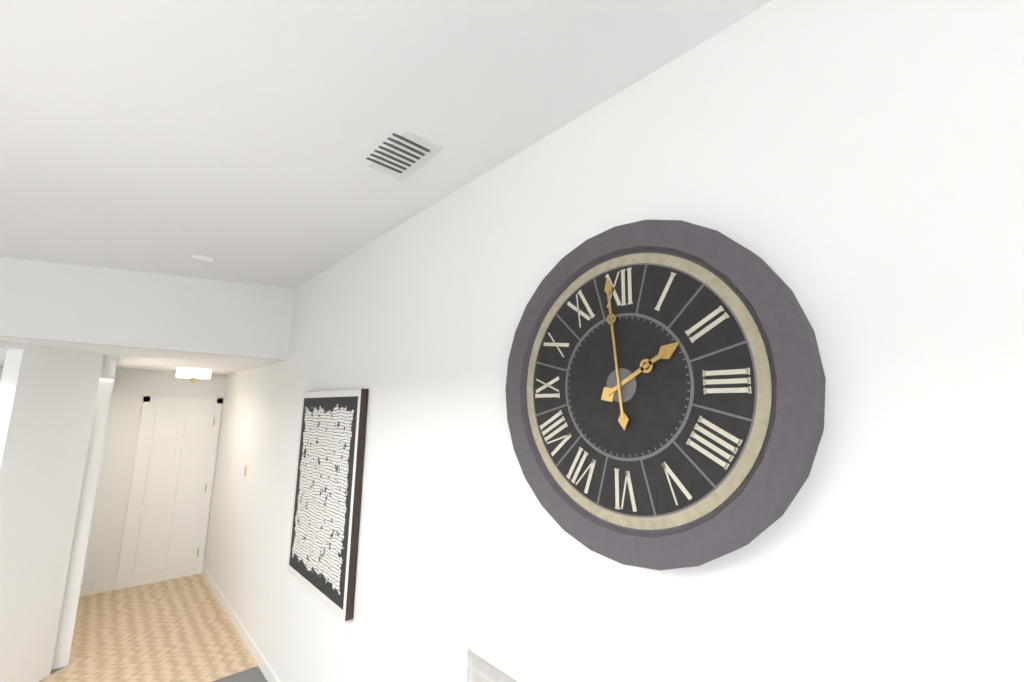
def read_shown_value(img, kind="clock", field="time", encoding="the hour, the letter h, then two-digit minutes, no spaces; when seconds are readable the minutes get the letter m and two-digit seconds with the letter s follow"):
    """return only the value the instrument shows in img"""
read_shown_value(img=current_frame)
1h59
